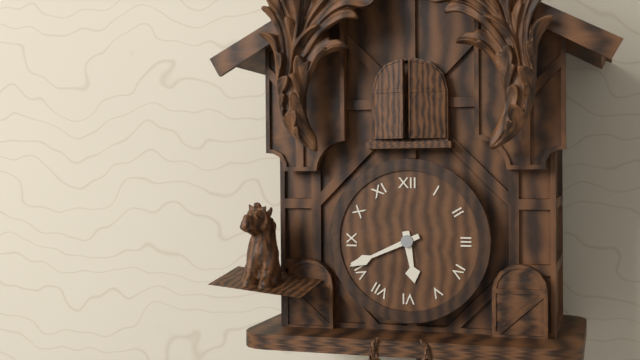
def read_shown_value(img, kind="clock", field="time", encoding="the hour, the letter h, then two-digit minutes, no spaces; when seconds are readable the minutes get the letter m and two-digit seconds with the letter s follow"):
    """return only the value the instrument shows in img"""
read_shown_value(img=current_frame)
5h41
